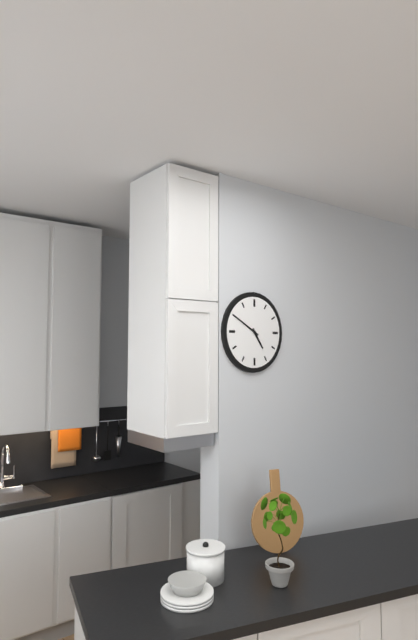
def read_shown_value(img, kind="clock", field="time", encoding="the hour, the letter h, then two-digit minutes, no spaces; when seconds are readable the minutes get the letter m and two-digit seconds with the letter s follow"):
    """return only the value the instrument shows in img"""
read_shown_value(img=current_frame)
4h50
